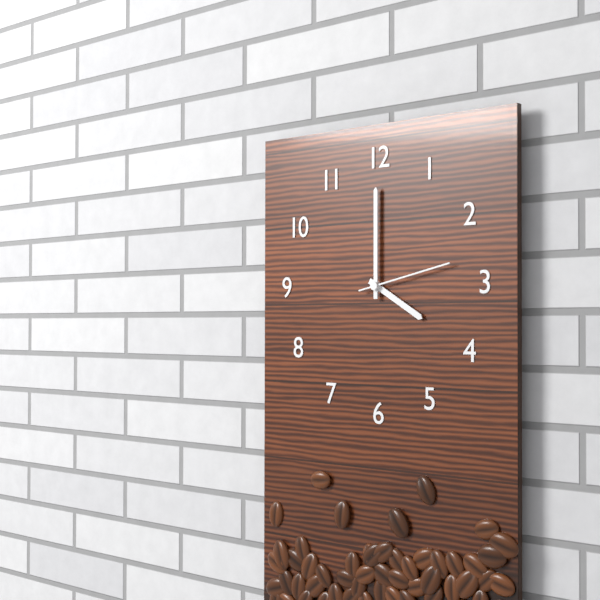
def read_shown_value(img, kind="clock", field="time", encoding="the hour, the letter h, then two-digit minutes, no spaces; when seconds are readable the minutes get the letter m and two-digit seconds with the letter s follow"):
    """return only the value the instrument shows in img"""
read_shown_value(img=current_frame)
4h00m13s
